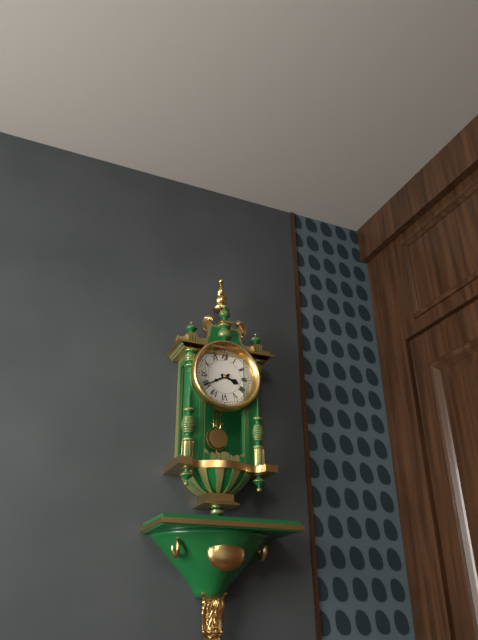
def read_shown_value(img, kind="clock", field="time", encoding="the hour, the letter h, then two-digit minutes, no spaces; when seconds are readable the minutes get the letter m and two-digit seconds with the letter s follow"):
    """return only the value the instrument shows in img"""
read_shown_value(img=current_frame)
3h40
